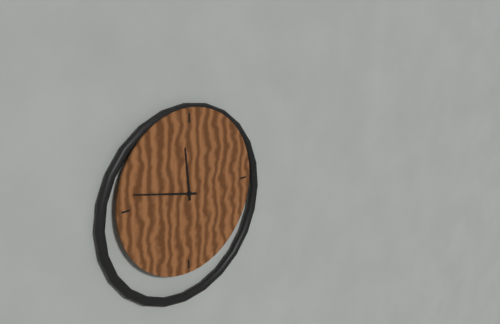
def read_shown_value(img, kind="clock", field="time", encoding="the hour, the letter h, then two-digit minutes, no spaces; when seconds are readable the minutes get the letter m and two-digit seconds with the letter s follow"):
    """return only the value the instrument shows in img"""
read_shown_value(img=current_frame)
11h47
